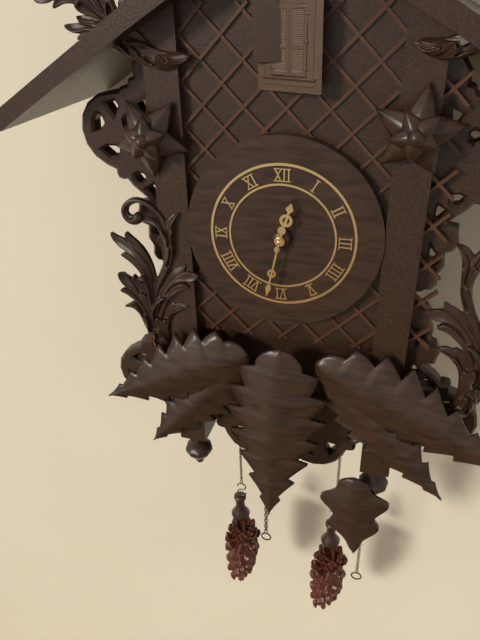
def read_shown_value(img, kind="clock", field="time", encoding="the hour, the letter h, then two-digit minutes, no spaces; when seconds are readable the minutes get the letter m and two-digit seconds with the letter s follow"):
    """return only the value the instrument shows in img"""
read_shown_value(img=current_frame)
12h32
